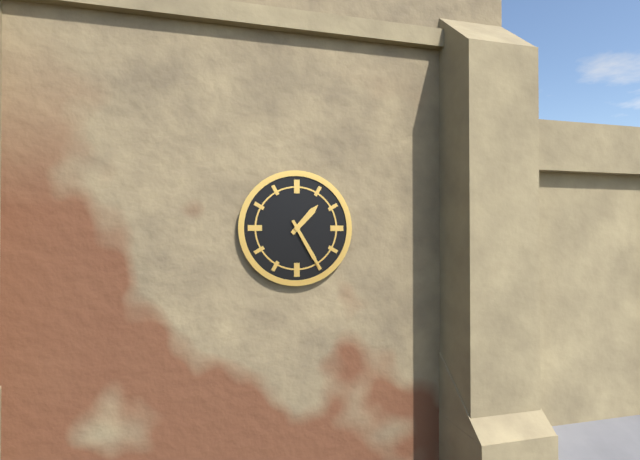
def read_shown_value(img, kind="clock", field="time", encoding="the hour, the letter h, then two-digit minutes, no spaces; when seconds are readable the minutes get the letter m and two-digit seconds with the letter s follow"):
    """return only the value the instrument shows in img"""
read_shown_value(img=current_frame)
1h25
